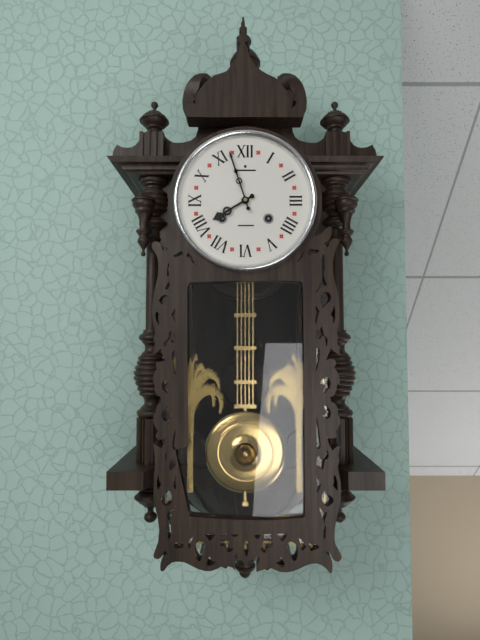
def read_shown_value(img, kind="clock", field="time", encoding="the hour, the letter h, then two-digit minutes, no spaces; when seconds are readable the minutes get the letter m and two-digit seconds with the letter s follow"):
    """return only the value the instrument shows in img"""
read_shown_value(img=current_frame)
7h57
